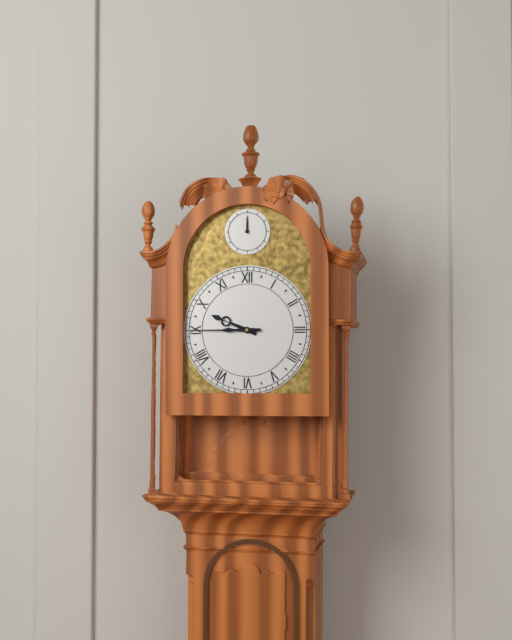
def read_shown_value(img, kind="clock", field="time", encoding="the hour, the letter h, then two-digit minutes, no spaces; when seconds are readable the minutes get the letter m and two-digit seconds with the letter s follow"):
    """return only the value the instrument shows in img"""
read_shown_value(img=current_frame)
9h45
